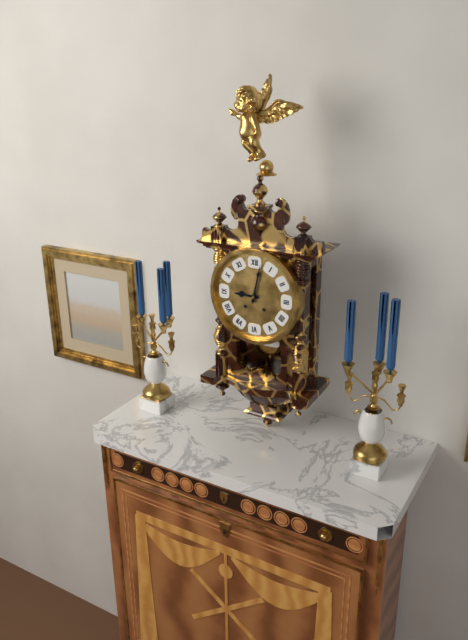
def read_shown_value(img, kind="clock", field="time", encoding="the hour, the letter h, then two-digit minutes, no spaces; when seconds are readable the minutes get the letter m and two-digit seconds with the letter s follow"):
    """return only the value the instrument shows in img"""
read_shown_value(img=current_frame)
9h02
